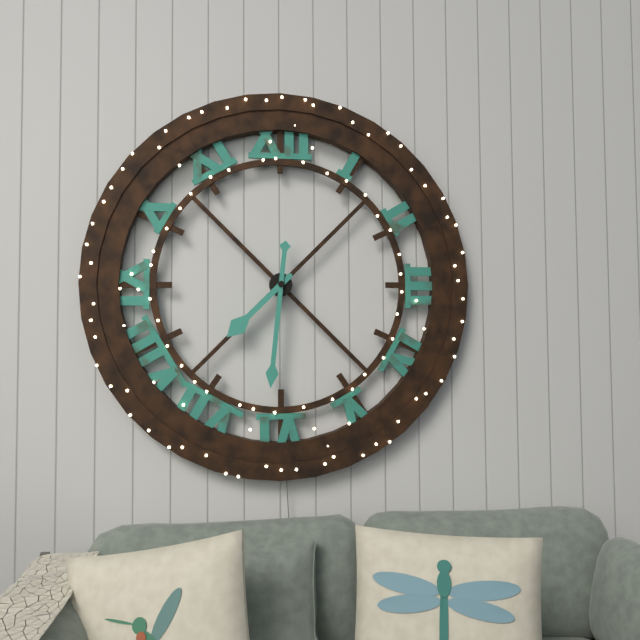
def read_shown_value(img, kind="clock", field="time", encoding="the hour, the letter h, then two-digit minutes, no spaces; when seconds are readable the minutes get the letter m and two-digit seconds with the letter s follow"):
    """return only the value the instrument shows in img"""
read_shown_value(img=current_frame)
7h31
